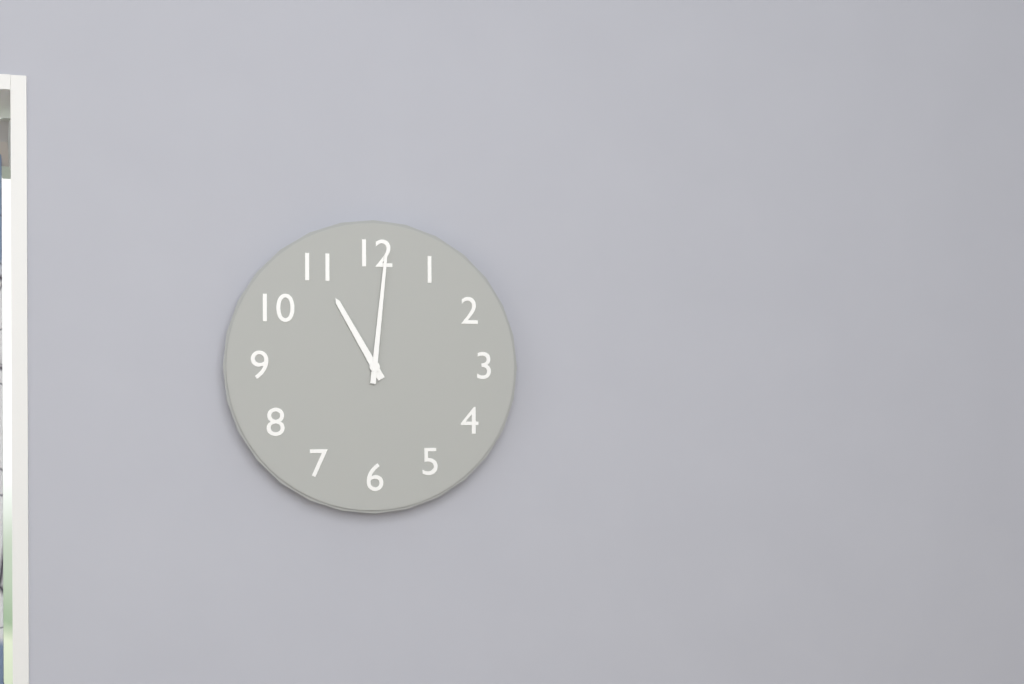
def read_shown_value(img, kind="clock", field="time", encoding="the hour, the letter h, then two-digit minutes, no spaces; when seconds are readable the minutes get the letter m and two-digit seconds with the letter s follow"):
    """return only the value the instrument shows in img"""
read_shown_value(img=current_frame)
11h01
